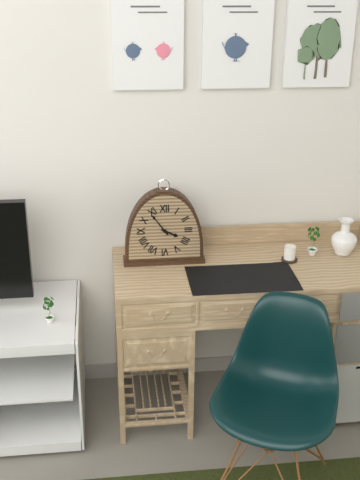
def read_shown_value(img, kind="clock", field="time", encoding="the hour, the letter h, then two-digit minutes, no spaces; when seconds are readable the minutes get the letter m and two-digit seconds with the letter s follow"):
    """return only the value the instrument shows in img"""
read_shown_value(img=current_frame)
3h54
